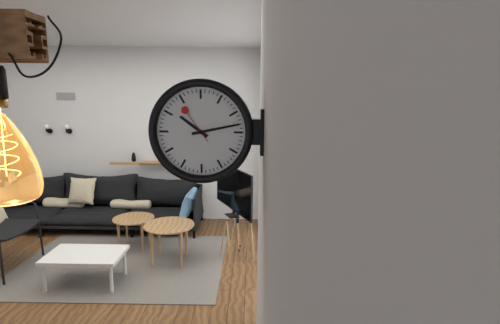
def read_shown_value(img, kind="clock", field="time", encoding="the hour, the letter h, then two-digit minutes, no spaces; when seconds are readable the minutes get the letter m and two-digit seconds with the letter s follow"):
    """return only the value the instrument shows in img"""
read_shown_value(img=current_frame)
10h13
